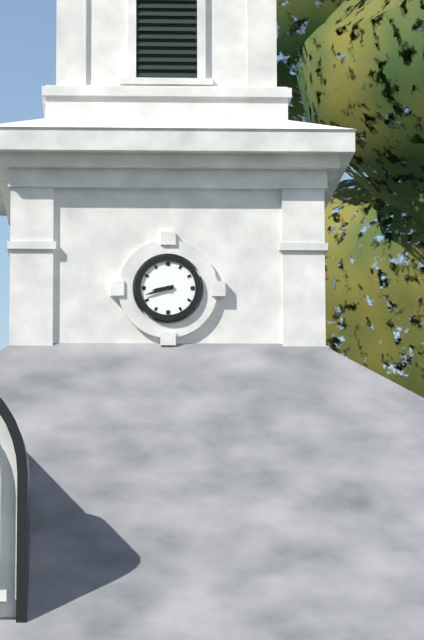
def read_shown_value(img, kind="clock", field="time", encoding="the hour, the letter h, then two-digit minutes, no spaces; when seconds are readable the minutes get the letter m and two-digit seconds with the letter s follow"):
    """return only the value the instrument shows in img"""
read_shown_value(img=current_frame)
8h42
